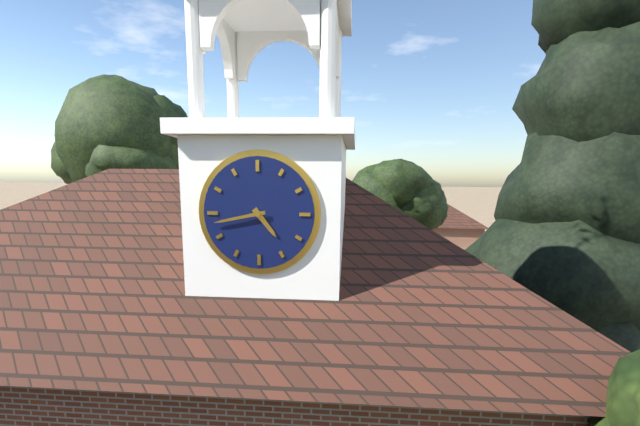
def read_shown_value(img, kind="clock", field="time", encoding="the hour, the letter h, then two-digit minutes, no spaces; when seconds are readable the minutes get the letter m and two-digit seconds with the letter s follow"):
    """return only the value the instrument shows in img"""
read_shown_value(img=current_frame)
4h43
